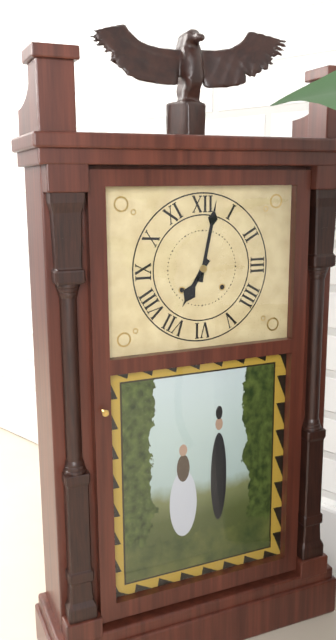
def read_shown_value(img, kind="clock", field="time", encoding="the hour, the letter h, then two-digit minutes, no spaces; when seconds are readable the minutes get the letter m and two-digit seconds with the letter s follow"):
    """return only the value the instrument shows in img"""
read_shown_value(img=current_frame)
7h02
